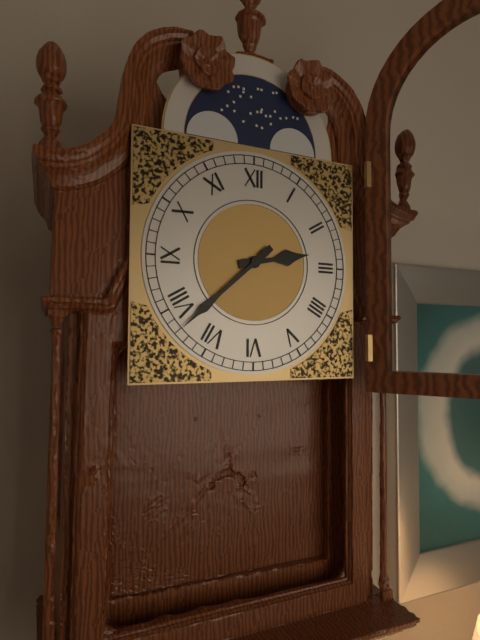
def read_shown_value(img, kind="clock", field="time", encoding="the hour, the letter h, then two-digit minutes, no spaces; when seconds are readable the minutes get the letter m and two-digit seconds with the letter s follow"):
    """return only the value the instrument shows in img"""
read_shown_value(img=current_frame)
2h38
